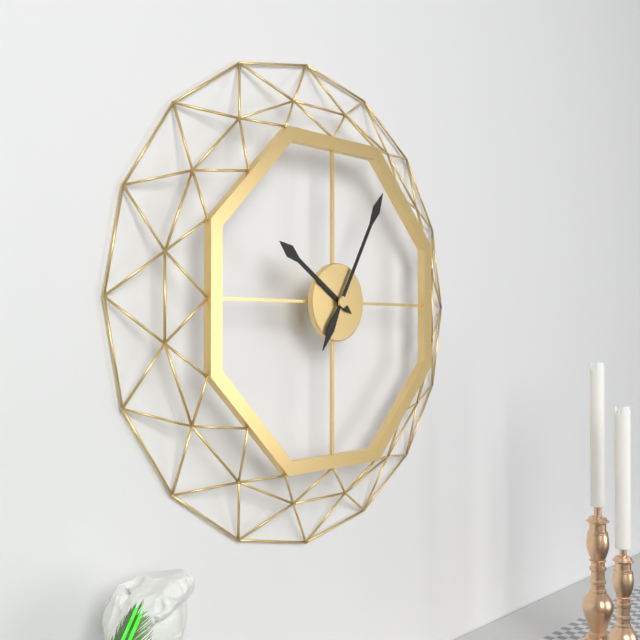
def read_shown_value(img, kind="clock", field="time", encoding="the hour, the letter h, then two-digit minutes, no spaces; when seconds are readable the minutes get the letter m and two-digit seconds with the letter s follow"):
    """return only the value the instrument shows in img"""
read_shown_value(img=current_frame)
10h05
